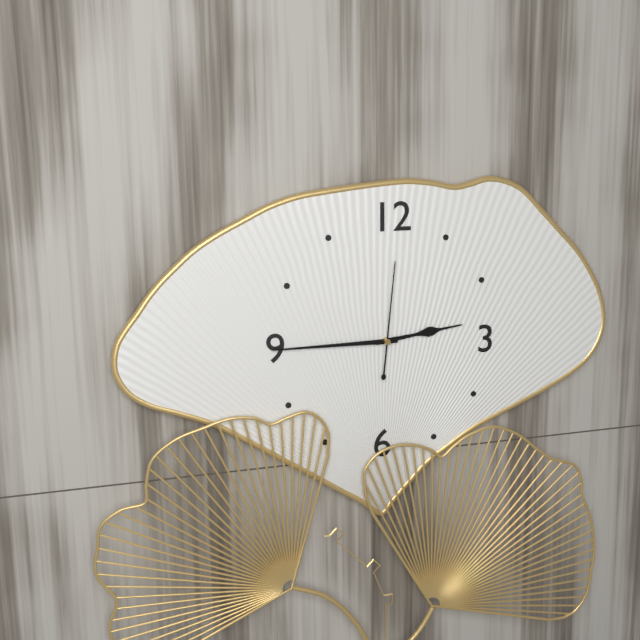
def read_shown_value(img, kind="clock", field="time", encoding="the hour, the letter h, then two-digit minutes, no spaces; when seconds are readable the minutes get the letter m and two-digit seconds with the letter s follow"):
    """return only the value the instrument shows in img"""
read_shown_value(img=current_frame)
2h45m01s
